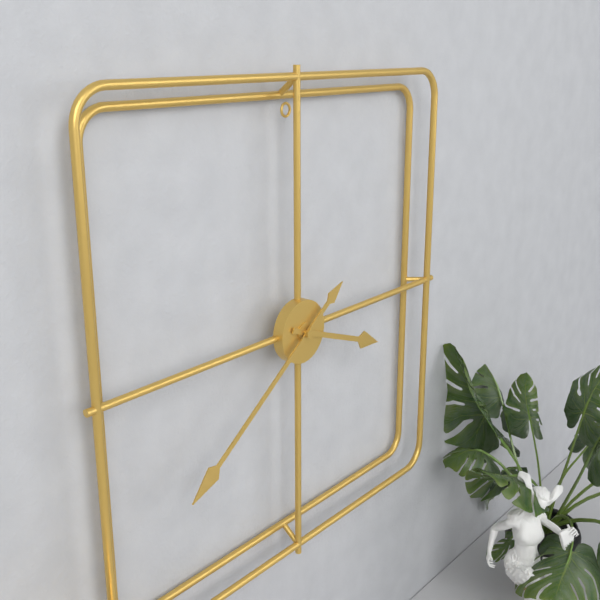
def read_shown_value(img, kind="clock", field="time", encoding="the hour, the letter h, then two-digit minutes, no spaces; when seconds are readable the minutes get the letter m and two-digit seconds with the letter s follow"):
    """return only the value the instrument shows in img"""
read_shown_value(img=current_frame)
3h39
